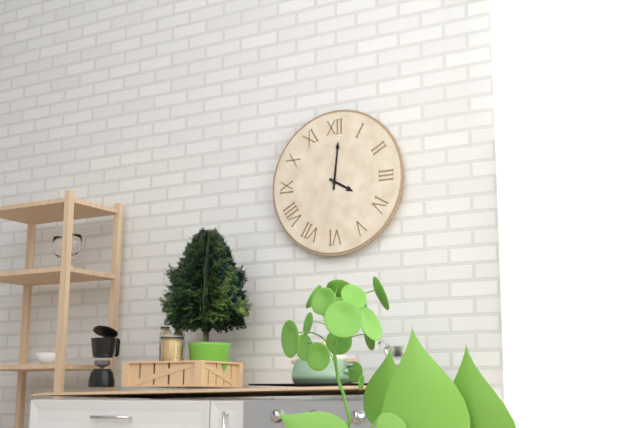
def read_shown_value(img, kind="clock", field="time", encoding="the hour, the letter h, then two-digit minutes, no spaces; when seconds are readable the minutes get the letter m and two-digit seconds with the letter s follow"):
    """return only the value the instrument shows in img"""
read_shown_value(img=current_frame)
4h01
